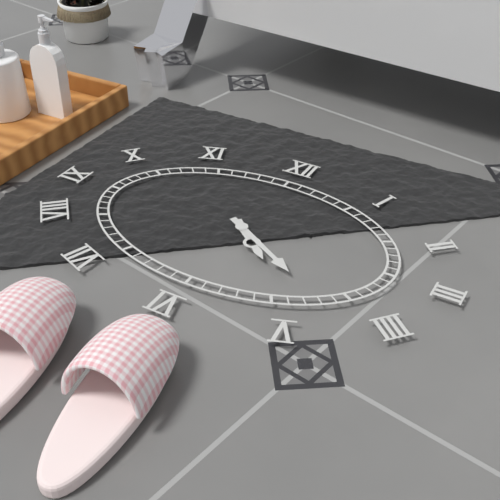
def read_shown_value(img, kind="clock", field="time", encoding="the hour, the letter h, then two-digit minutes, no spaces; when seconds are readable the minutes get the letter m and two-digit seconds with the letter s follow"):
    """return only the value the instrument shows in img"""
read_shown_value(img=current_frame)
4h20
